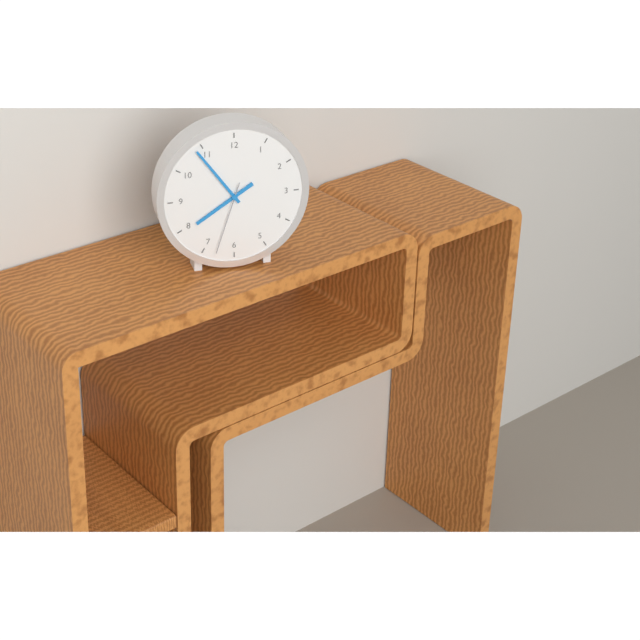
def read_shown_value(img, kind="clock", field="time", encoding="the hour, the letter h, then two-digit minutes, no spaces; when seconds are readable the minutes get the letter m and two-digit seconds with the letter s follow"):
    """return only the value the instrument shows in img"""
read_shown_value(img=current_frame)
7h54m33s
